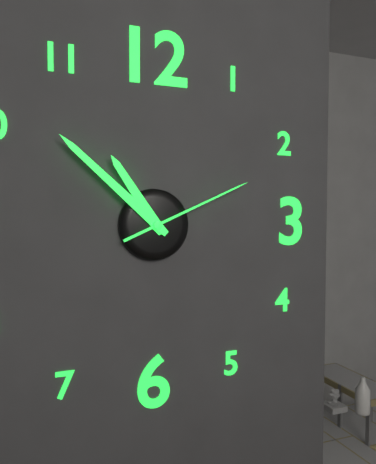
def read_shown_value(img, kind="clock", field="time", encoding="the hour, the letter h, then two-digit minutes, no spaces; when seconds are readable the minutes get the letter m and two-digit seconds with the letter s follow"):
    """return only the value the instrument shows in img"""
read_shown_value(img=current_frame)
10h52m11s
